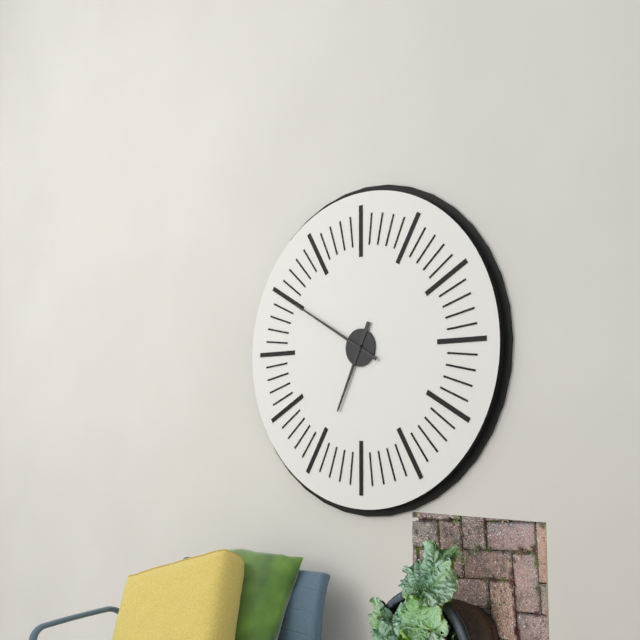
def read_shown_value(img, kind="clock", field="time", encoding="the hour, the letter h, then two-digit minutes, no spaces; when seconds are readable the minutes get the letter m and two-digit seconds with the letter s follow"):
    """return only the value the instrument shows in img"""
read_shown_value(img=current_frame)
6h50
